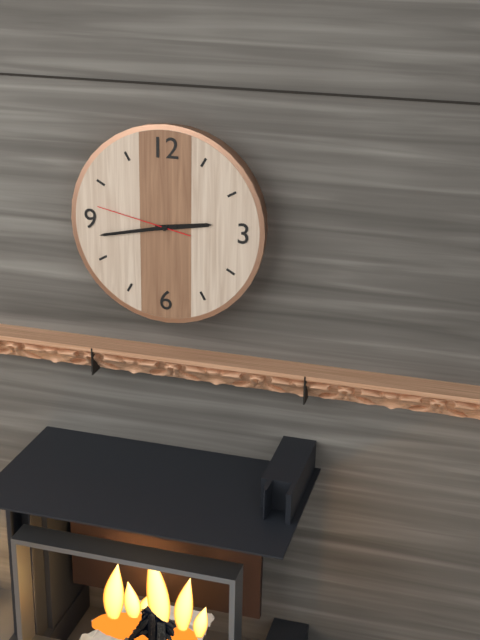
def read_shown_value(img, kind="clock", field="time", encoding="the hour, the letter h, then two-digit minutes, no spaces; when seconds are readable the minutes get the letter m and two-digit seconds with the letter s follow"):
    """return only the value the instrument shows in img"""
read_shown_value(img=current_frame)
2h43m47s
